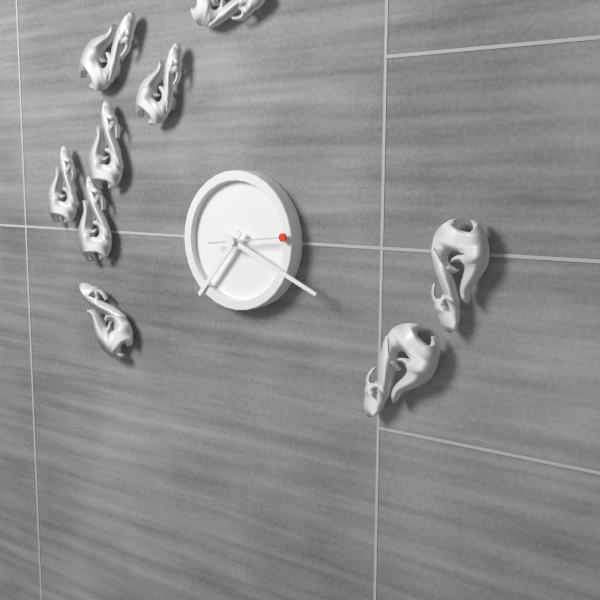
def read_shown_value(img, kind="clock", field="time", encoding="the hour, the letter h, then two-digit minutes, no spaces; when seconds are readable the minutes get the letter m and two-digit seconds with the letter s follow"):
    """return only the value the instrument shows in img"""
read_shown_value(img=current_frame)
7h19m14s
